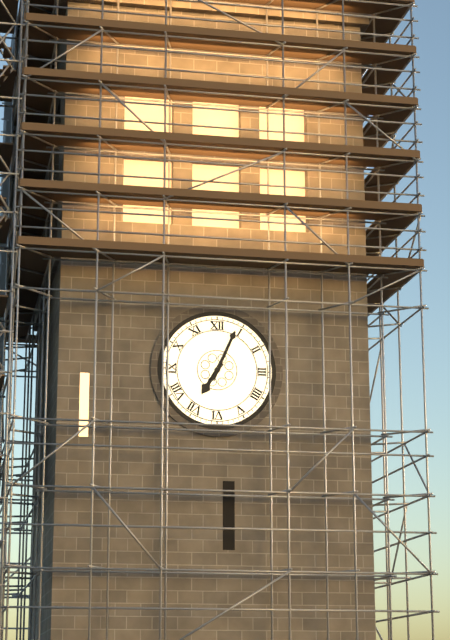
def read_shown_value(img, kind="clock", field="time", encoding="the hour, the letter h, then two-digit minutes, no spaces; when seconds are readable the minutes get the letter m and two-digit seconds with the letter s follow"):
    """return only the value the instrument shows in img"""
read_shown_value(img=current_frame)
7h04
